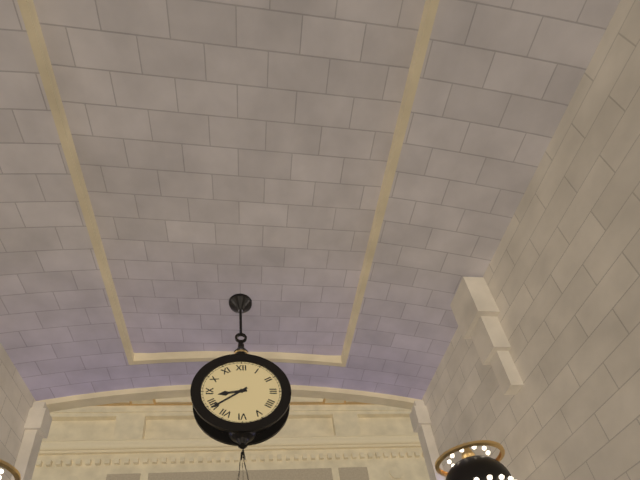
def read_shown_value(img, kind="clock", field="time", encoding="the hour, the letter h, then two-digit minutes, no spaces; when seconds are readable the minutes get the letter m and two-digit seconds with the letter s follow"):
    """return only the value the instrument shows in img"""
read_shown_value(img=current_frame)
8h39
